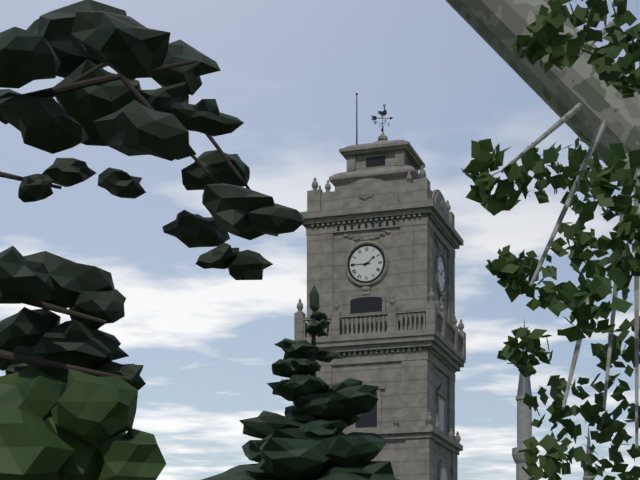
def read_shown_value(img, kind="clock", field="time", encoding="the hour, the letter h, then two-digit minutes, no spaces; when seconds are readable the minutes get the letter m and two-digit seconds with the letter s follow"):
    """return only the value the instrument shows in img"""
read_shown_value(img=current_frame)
1h45
